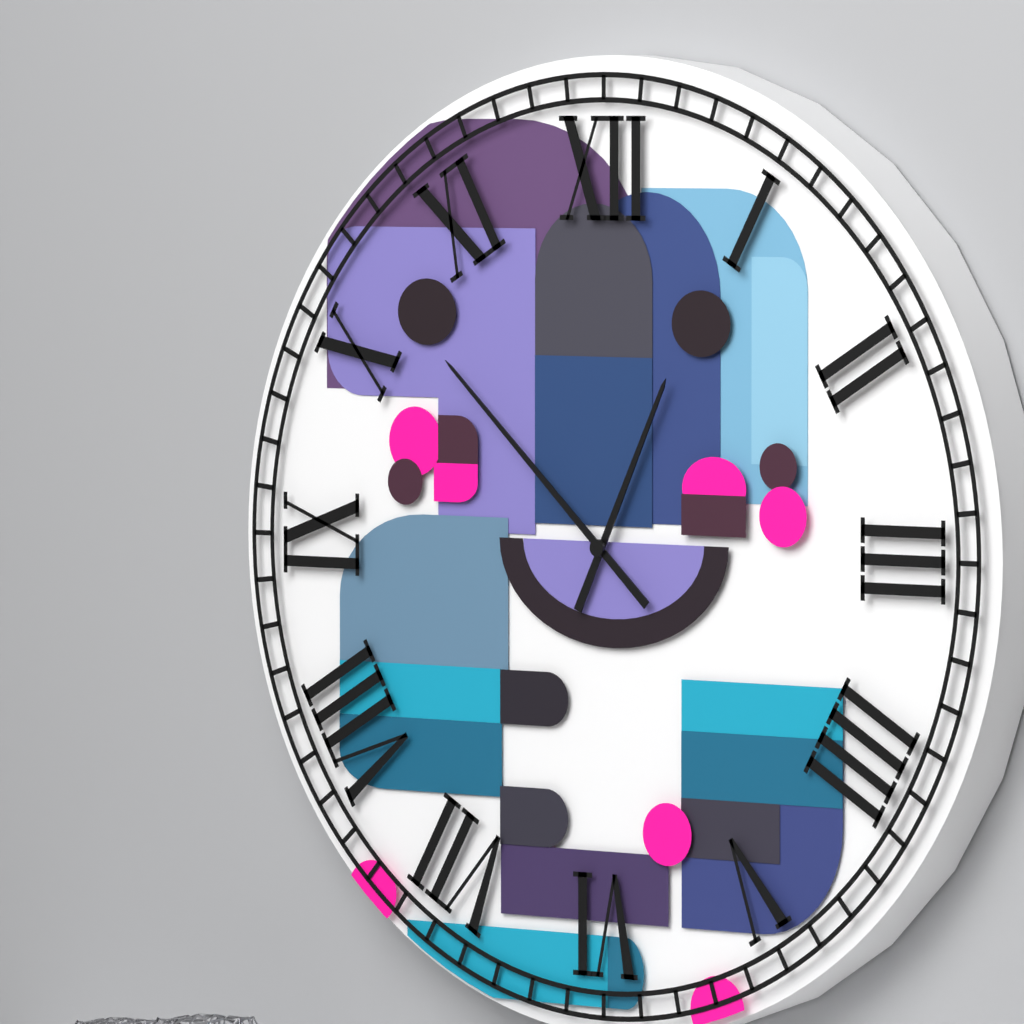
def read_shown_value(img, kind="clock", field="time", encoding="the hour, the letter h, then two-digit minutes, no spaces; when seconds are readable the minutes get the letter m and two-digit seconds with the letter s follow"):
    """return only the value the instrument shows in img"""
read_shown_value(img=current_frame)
12h52
